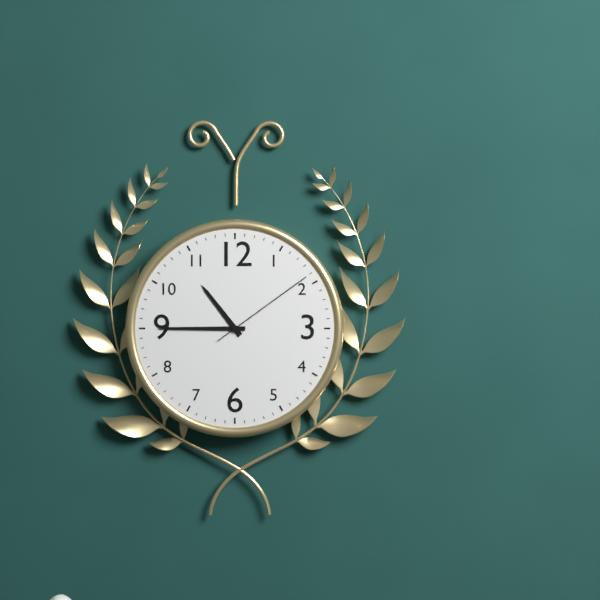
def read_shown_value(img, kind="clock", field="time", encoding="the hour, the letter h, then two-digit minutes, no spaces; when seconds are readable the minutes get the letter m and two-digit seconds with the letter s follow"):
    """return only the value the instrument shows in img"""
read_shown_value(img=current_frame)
10h45m09s
